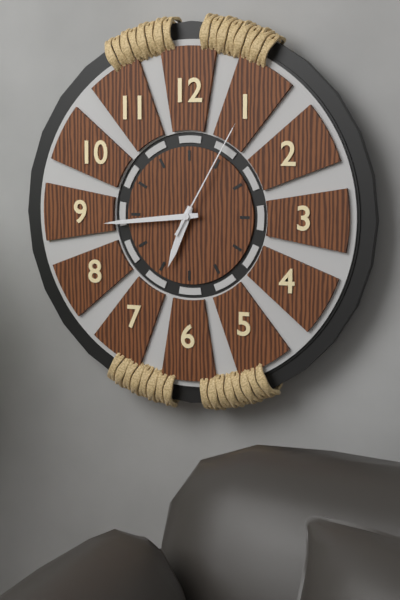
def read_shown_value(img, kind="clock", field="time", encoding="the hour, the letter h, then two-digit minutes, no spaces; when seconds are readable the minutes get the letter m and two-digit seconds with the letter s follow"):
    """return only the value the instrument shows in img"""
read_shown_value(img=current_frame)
6h44m05s
